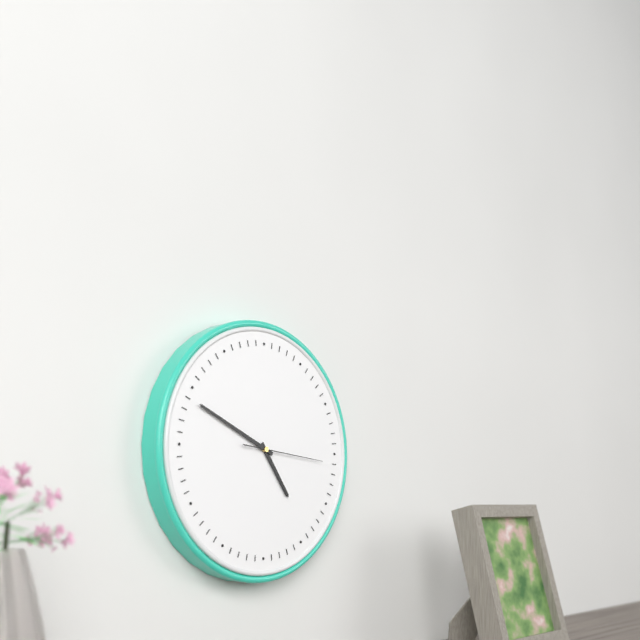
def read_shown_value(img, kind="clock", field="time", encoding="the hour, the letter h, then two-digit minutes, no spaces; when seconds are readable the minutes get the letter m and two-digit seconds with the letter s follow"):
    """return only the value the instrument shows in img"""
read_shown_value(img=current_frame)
4h49m16s
